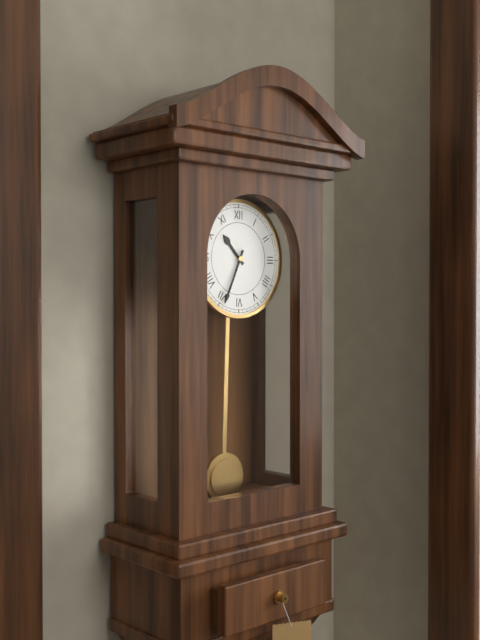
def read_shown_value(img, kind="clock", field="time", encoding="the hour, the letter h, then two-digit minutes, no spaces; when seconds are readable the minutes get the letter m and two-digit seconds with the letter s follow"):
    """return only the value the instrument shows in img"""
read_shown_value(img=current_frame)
10h34
